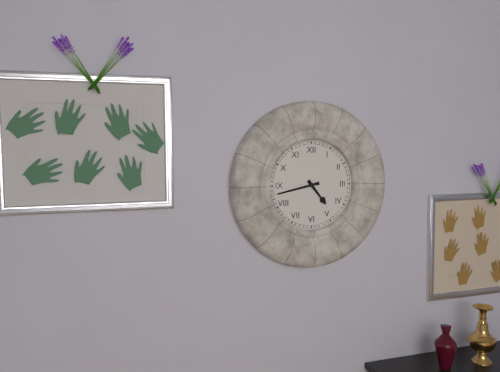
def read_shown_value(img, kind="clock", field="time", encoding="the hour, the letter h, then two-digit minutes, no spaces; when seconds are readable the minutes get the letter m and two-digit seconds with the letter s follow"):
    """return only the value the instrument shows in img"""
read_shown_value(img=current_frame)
4h43
